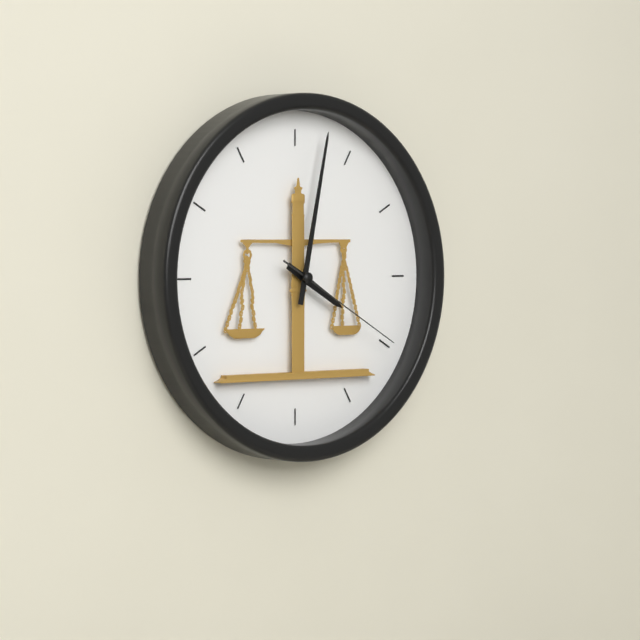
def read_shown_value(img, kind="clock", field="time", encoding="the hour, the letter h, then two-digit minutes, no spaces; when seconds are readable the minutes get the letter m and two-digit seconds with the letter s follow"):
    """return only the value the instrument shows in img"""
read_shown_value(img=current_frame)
4h02m20s
